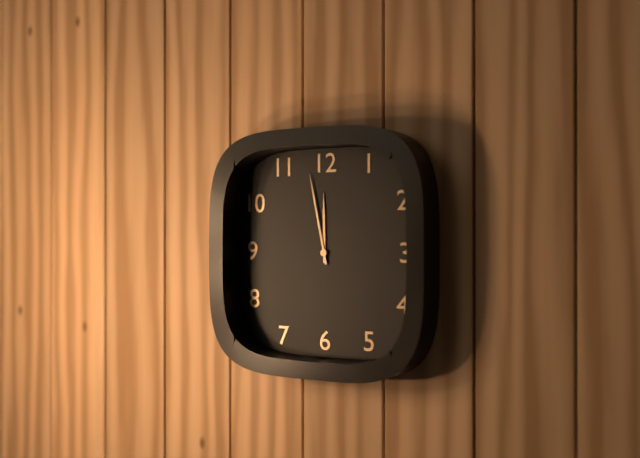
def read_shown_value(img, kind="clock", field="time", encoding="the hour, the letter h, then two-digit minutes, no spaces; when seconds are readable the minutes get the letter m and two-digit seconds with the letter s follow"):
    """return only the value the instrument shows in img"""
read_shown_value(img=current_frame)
11h58
